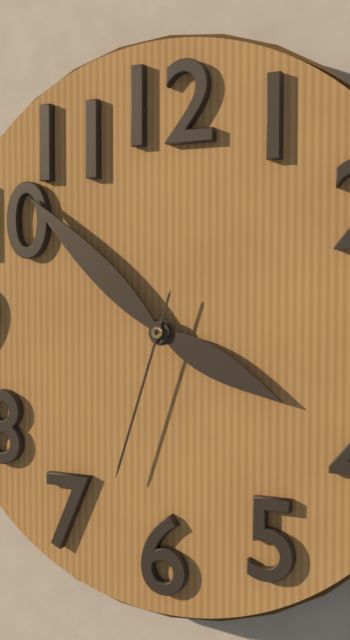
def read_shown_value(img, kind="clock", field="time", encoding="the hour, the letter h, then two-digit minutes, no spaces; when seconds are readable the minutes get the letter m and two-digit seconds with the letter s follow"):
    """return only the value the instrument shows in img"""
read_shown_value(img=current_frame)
3h52m33s
